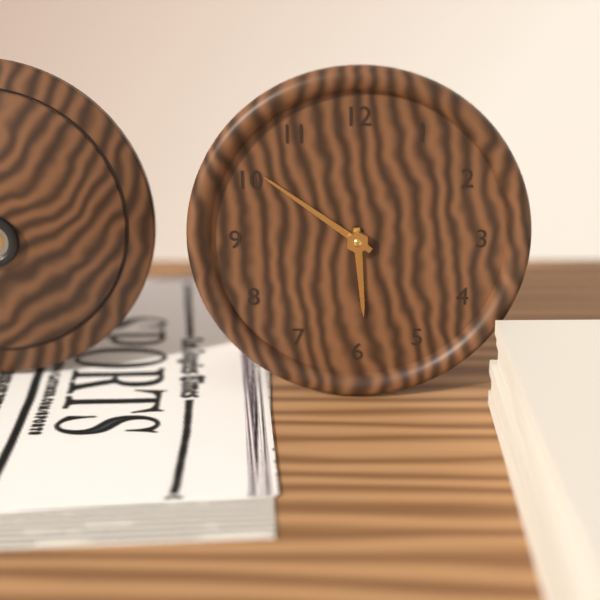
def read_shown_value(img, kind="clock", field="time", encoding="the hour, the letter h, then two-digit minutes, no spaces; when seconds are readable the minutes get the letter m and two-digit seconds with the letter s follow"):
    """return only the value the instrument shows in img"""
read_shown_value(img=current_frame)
5h51
